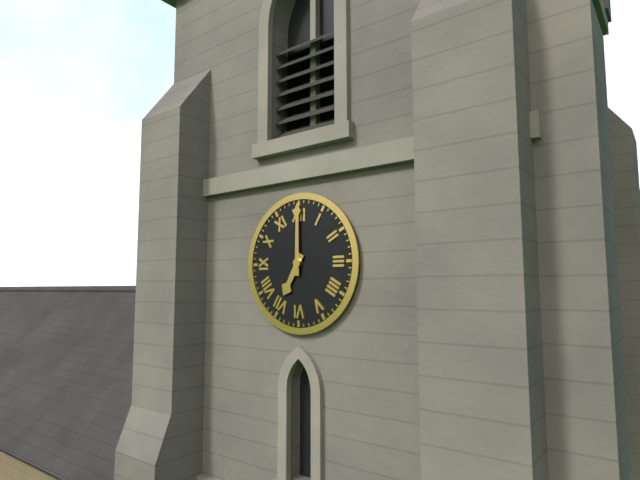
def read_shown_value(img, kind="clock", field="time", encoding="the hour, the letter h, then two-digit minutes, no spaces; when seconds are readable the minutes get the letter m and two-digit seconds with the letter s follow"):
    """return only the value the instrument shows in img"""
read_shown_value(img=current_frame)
7h00
